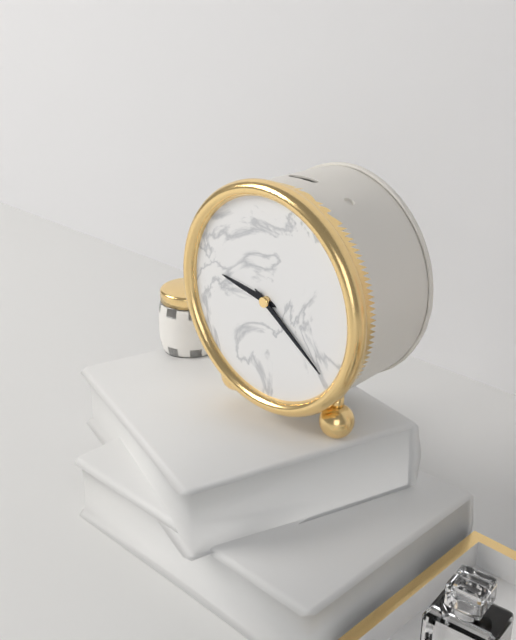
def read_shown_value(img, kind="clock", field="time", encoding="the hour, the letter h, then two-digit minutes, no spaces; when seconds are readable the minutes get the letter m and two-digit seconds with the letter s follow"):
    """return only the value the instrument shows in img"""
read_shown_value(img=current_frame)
9h21
